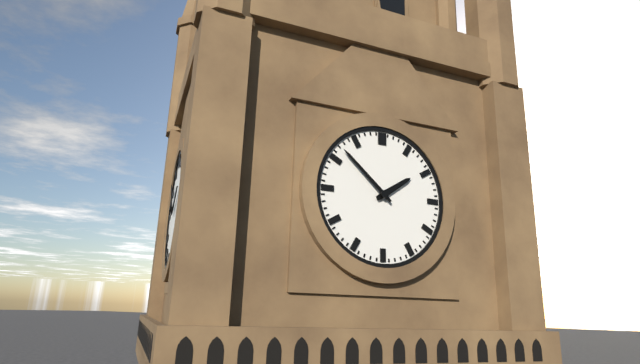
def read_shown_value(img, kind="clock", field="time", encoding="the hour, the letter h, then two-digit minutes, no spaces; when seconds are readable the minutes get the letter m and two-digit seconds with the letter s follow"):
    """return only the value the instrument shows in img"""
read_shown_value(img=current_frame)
1h52
